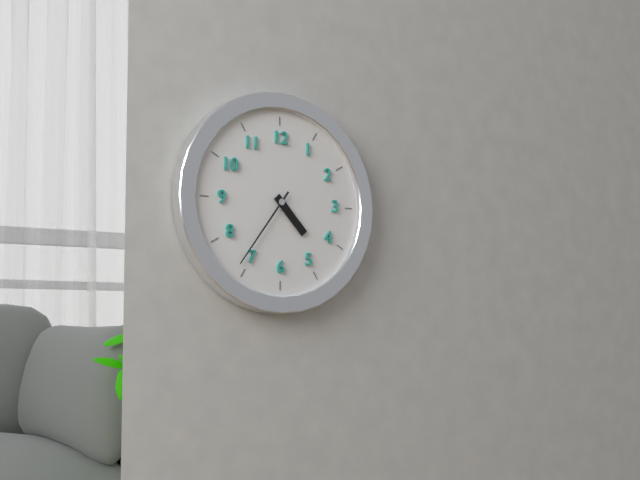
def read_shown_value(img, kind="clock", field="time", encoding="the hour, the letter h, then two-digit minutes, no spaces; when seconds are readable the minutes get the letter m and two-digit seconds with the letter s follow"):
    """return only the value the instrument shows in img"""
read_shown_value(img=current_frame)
4h36
